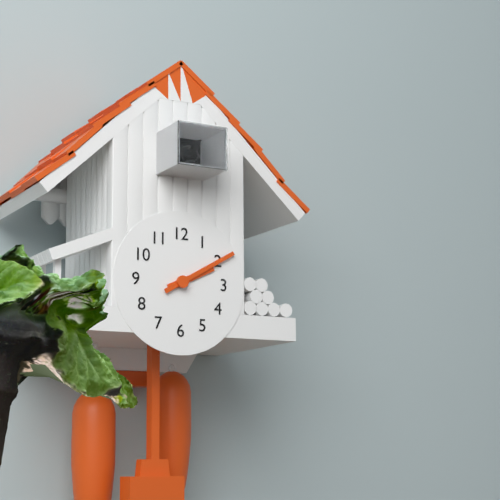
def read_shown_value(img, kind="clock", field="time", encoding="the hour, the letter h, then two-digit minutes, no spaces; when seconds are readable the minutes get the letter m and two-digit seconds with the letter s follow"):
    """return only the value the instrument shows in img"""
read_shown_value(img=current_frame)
2h10
